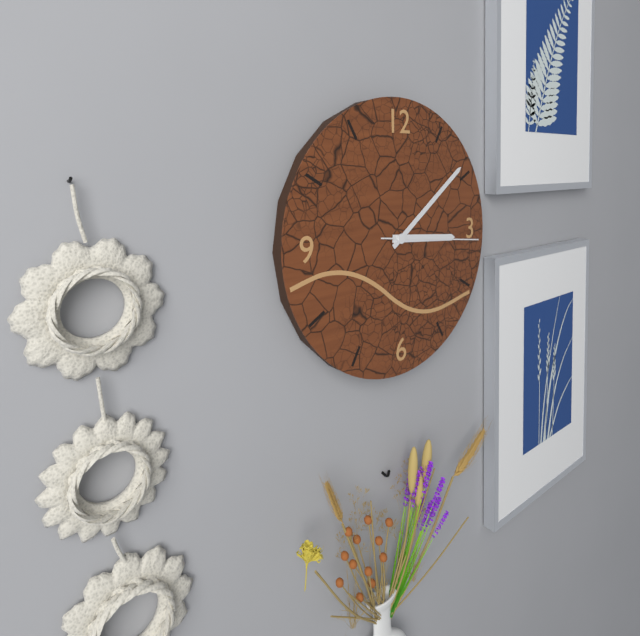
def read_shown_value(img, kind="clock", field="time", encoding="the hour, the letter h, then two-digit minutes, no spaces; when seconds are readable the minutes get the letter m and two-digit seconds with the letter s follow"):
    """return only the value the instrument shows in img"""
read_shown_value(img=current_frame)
3h09m16s
